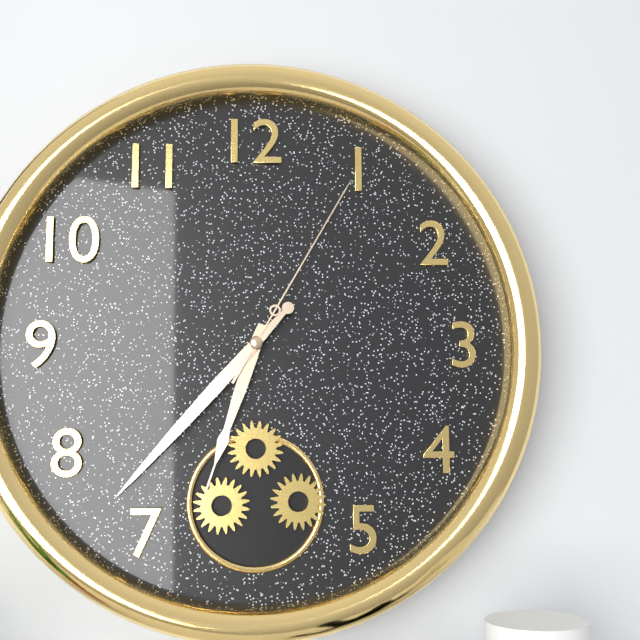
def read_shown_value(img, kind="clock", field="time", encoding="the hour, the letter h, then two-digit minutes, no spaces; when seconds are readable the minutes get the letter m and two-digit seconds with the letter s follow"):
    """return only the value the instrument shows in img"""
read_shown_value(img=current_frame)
6h37m05s
